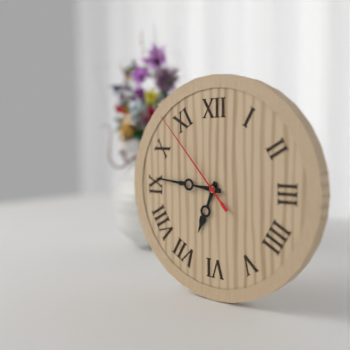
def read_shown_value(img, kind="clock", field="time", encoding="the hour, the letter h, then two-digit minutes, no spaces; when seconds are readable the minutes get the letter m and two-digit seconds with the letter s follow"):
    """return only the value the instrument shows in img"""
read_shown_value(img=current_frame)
6h46m53s
